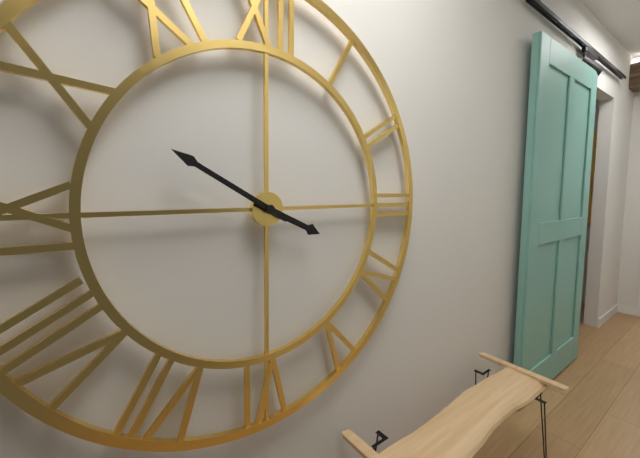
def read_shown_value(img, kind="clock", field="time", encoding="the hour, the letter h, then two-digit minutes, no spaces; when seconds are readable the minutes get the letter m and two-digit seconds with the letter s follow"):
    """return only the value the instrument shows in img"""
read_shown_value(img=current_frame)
3h50
